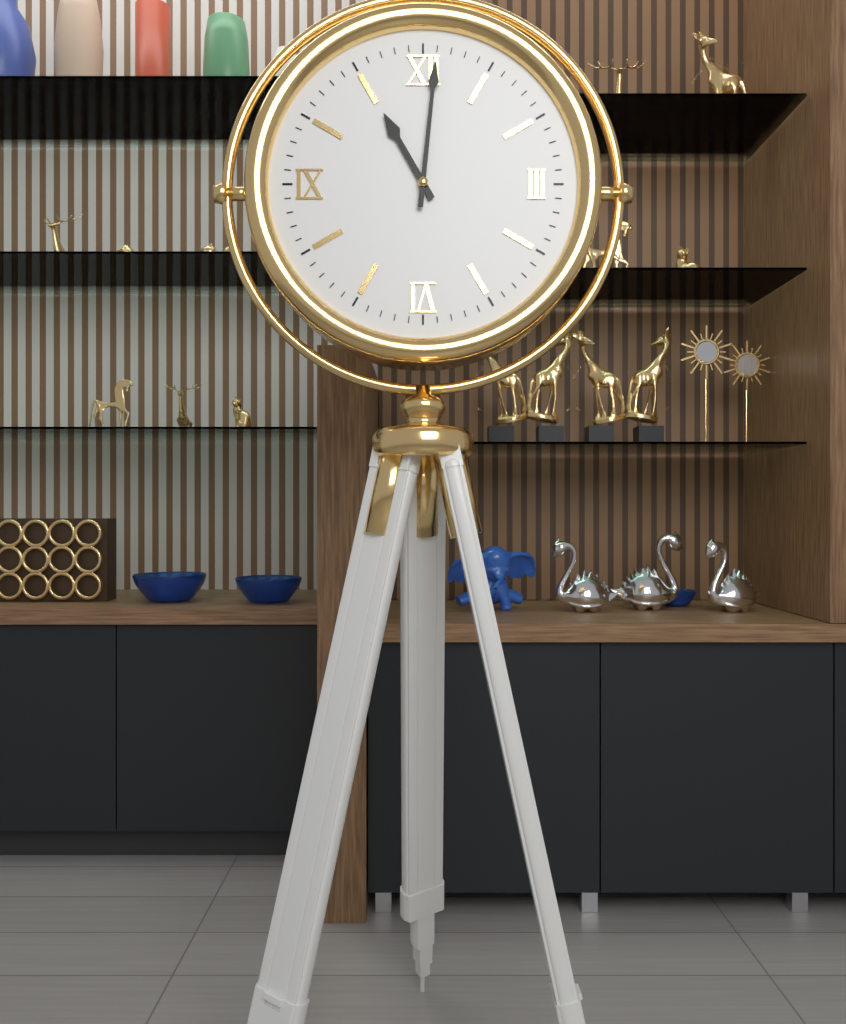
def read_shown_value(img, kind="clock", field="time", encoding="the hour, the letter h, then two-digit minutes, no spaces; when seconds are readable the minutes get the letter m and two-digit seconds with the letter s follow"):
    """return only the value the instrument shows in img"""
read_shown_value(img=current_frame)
11h01
